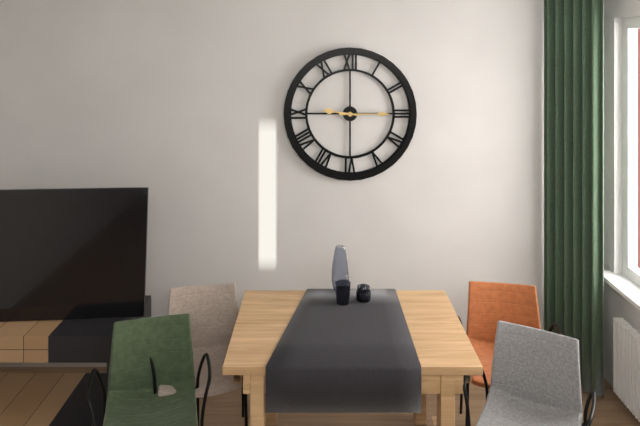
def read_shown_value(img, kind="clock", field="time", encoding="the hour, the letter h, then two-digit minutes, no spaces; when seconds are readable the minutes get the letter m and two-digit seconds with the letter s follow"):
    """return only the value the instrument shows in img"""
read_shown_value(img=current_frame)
9h15
